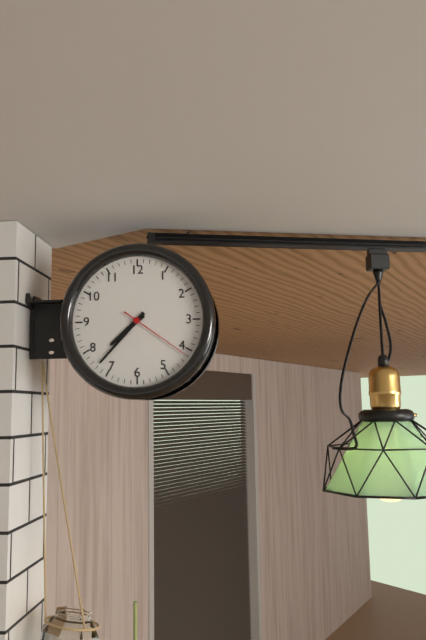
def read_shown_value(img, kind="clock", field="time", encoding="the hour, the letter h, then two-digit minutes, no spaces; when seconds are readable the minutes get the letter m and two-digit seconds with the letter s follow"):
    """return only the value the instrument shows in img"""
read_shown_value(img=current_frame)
7h37m21s
